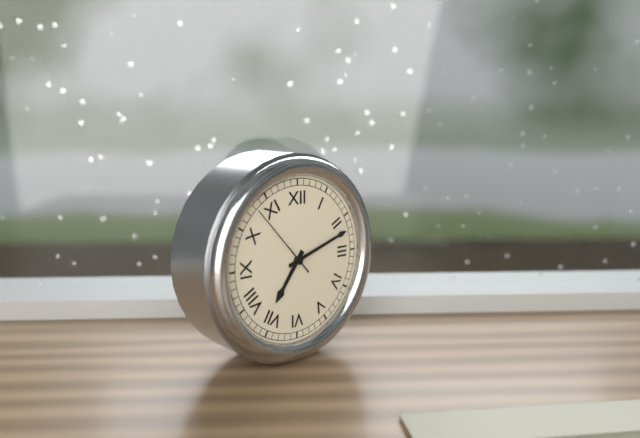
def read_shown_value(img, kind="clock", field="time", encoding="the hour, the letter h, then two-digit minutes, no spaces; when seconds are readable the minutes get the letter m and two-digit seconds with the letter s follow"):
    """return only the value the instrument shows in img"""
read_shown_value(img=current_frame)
7h12m53s
